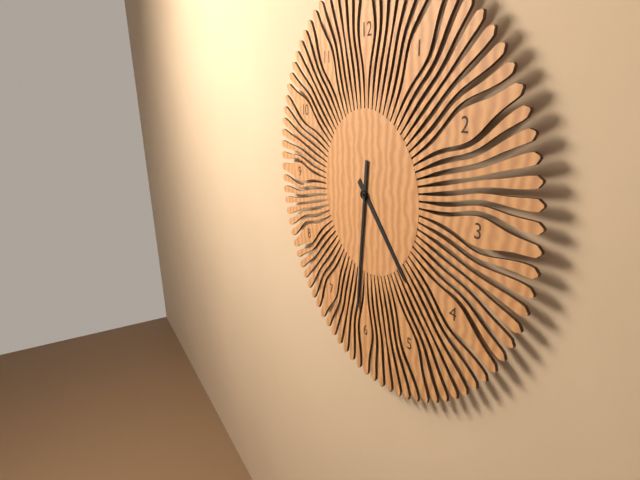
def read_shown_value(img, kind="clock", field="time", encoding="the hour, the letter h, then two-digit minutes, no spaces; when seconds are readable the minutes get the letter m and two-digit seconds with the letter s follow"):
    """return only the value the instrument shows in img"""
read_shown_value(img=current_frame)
4h31
